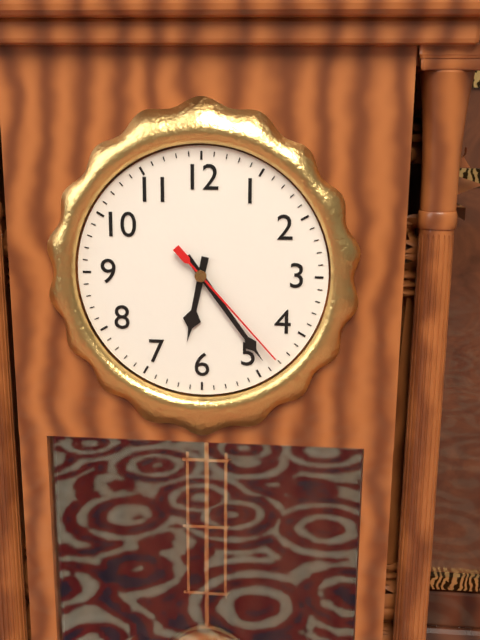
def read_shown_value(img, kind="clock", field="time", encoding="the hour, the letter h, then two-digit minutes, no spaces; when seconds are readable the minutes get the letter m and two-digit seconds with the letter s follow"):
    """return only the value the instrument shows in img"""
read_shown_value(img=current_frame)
6h24m23s
